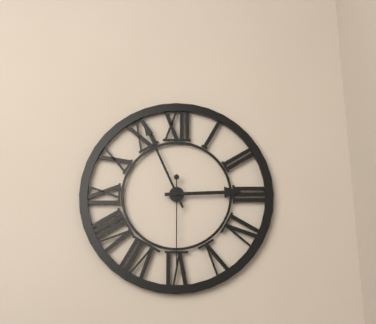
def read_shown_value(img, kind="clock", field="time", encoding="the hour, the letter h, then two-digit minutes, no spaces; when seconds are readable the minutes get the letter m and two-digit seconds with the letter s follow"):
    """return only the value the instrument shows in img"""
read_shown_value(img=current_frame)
2h56m30s
